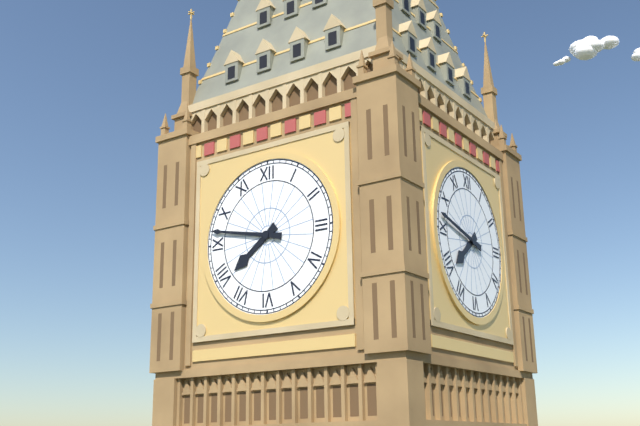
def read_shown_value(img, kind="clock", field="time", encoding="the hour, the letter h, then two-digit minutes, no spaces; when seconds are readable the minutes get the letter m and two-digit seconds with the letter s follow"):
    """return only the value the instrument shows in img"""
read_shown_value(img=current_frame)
7h47
